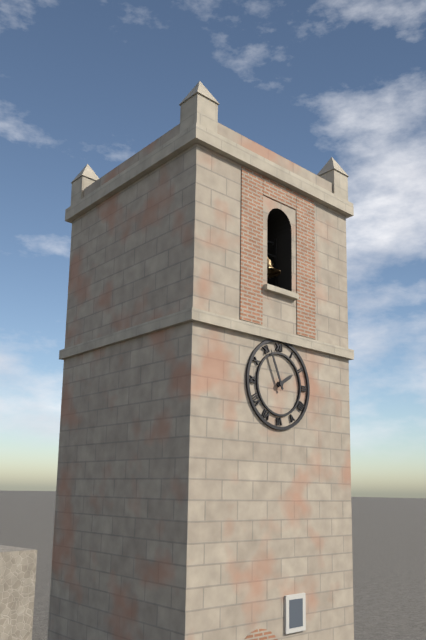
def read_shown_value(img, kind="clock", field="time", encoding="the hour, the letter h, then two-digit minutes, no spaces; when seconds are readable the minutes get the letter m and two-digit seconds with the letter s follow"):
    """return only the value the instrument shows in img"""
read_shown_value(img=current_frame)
1h56
